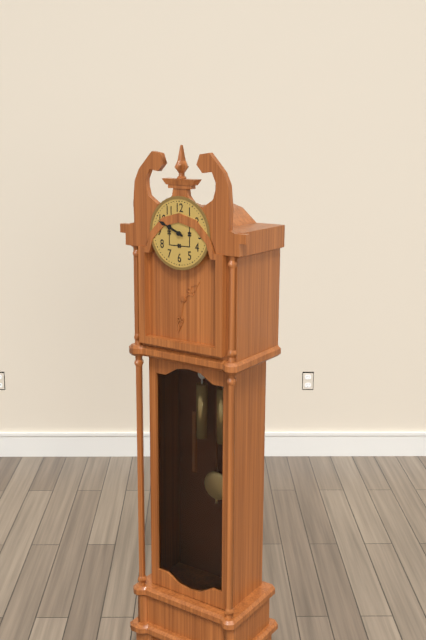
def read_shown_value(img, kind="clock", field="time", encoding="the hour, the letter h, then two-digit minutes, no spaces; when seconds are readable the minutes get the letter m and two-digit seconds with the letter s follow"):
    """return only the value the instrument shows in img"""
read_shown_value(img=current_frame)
9h49
